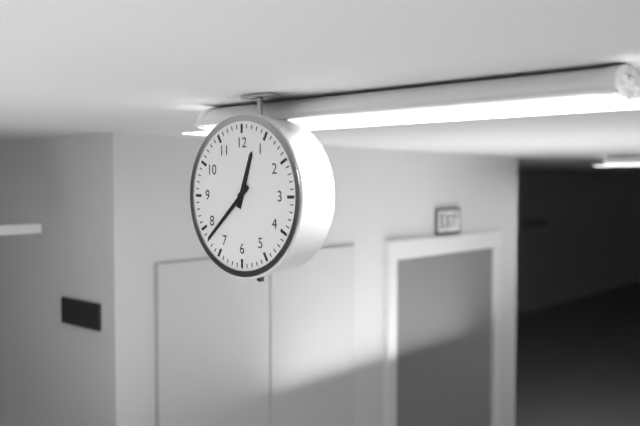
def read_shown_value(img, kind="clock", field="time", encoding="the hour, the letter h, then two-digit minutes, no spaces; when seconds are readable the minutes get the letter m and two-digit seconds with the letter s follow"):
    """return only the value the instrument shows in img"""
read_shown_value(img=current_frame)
12h38
